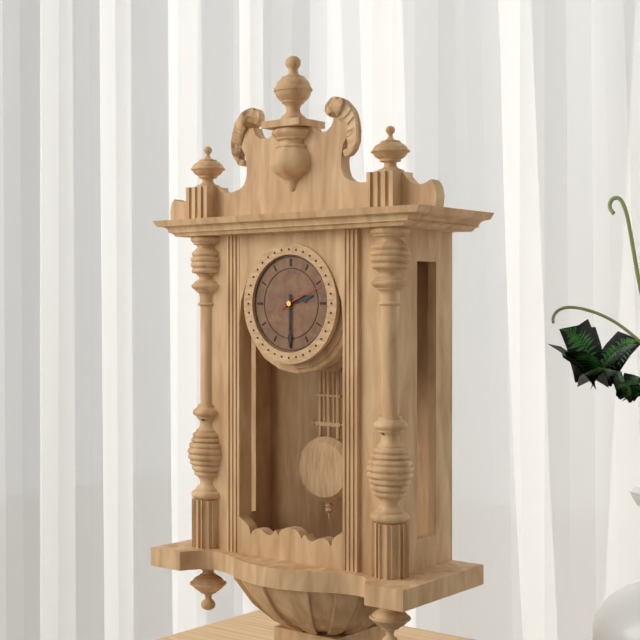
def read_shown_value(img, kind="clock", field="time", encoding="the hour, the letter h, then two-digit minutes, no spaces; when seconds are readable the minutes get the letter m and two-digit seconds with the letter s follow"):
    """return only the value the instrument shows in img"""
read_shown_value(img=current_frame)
2h30
